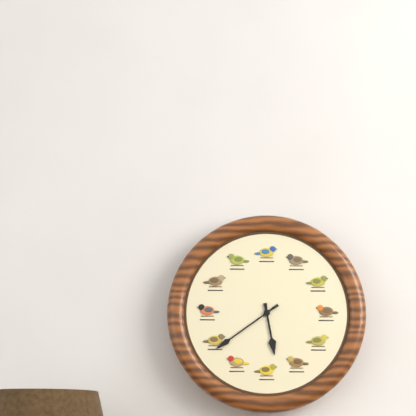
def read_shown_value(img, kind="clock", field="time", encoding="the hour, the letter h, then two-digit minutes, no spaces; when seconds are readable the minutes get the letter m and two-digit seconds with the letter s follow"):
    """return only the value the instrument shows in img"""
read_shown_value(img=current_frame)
5h39
